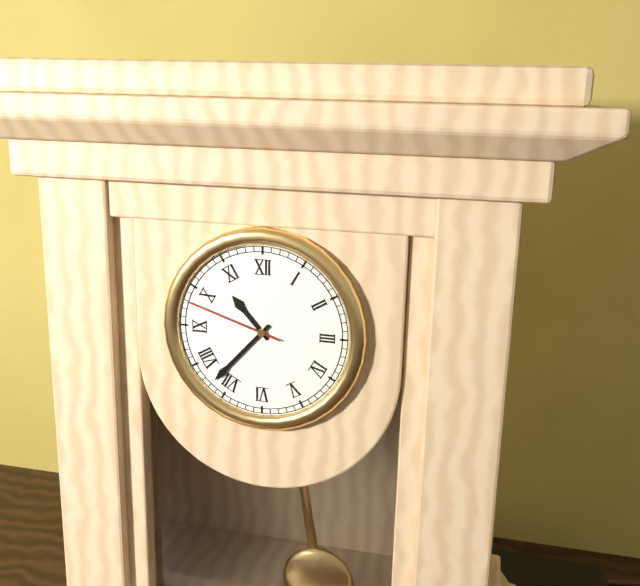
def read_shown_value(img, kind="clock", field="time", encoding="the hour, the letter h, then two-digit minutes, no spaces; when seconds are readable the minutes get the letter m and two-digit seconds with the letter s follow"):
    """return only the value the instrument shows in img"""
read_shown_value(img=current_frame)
10h37m48s
